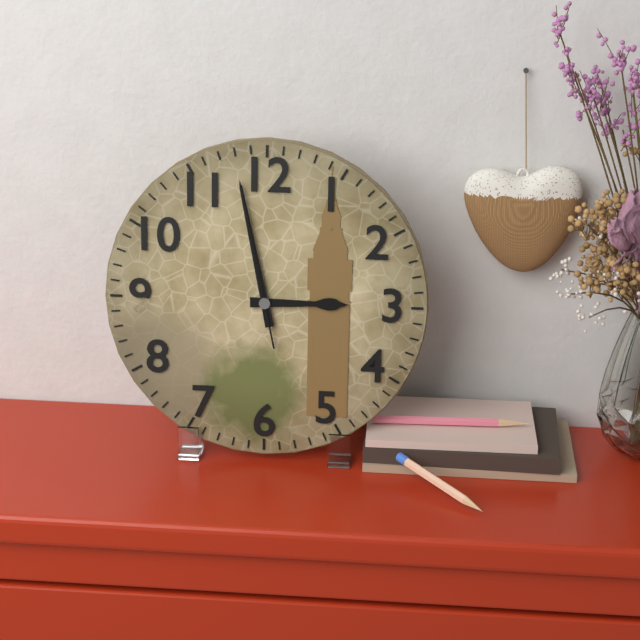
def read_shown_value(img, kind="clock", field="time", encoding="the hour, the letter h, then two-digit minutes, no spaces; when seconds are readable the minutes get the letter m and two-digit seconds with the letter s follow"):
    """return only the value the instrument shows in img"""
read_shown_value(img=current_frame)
2h58m58s
